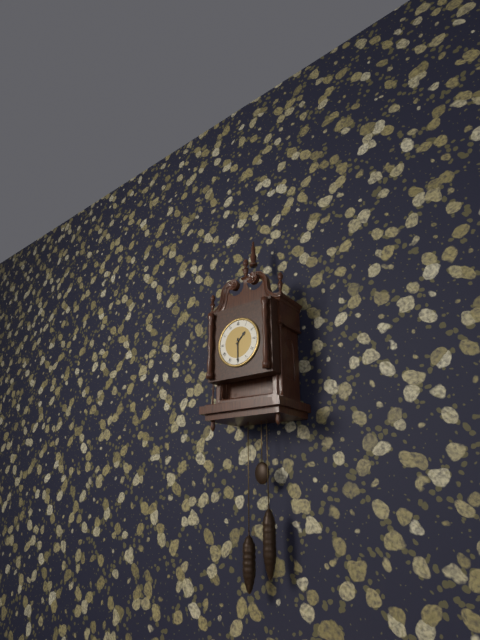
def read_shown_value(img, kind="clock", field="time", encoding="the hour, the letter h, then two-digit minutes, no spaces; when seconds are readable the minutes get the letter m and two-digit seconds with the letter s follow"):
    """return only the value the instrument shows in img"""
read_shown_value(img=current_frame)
1h30
